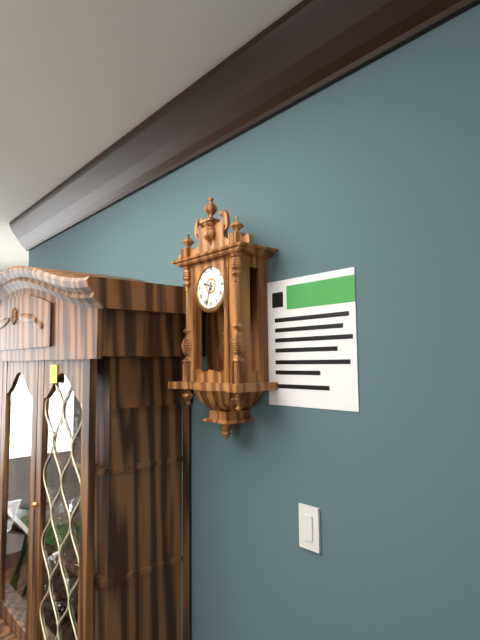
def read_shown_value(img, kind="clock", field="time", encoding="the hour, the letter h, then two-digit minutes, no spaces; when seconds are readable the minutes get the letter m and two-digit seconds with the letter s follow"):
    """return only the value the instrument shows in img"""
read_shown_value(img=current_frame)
9h33
